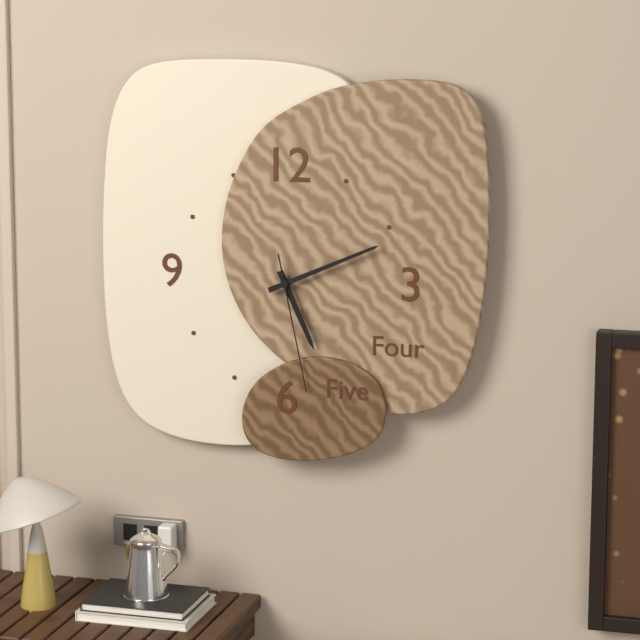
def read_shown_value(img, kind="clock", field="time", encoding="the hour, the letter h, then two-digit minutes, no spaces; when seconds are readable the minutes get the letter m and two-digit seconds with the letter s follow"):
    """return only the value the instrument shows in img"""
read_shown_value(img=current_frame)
5h11m28s
